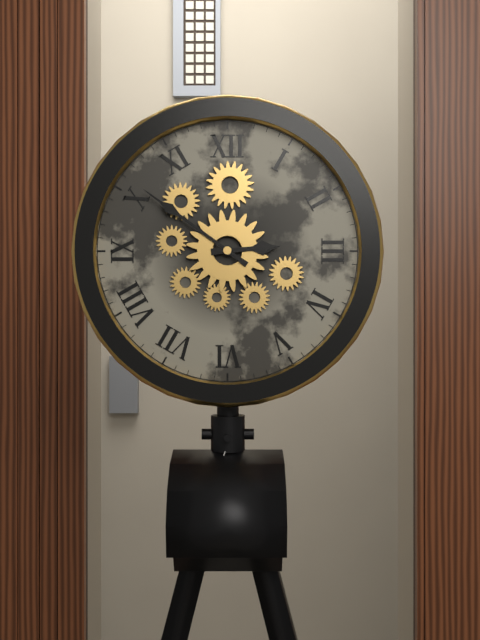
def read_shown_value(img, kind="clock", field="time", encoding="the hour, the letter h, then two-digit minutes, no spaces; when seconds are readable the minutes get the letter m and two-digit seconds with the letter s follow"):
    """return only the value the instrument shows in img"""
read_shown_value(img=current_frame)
2h51
